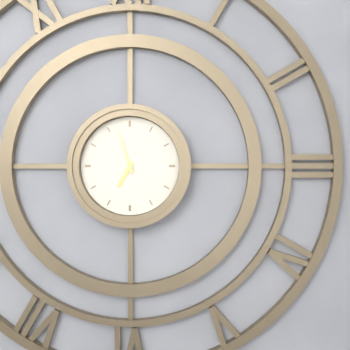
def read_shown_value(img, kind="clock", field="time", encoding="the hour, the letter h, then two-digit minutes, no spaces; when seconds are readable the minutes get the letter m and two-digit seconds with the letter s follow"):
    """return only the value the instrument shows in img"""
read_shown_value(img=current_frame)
6h57
